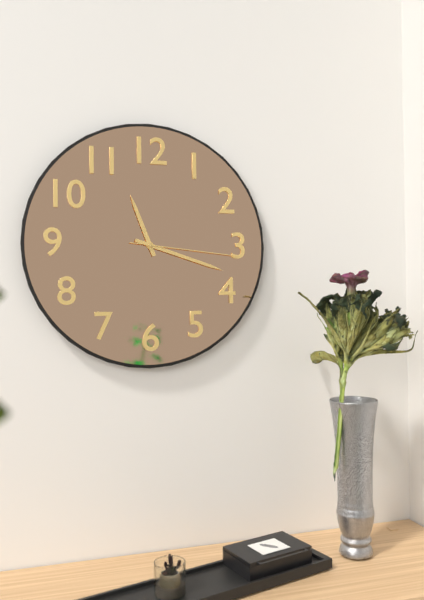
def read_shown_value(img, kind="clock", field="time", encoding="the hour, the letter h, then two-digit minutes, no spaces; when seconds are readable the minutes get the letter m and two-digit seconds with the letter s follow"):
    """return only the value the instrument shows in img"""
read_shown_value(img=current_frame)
11h18m16s
